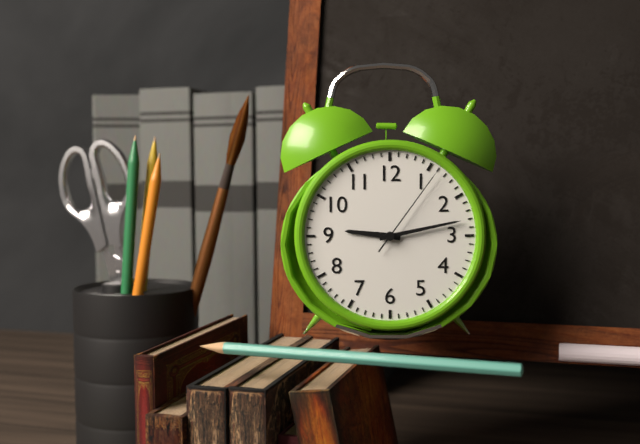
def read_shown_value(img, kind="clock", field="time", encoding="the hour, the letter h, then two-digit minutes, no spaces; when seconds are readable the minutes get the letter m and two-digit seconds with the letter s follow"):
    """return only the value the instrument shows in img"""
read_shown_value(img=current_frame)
9h13m06s
